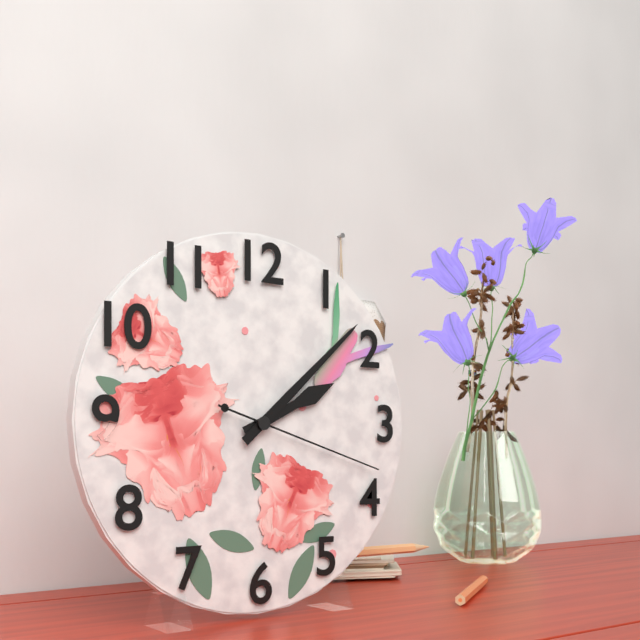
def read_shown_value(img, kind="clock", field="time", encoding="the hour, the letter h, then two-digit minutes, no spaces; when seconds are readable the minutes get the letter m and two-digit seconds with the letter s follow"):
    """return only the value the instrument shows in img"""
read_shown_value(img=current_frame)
2h08m18s
